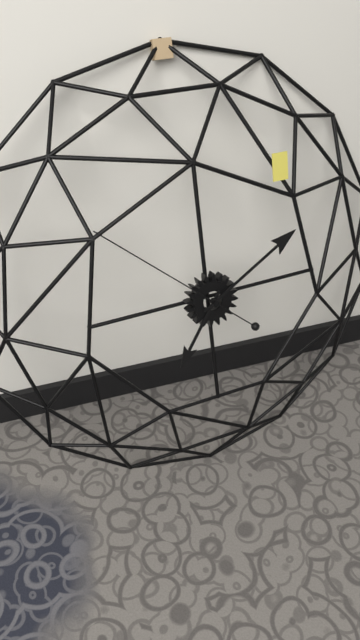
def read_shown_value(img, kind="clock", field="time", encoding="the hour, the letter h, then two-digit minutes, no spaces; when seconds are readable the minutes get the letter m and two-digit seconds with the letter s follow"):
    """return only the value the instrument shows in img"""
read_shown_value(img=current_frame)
7h10m52s
